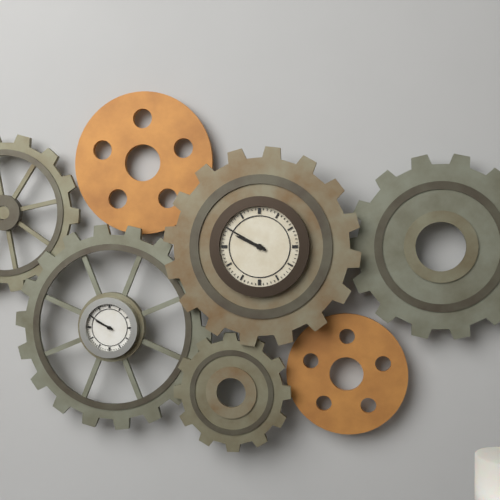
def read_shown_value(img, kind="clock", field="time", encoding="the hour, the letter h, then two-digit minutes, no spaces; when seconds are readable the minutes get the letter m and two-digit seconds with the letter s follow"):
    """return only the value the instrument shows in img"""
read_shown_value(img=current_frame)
9h50
